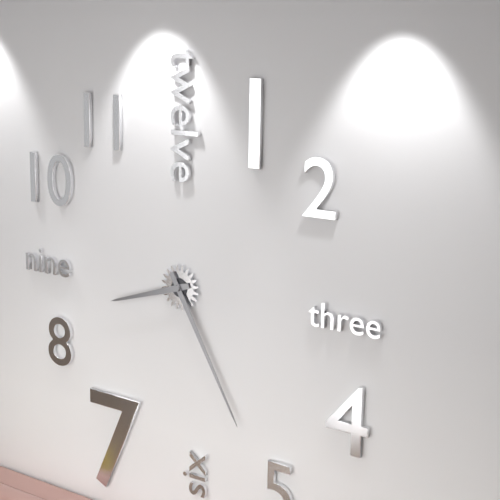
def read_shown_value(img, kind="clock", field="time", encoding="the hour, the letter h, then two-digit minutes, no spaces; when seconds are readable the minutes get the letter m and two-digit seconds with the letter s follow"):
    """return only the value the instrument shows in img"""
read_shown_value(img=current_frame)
8h25
